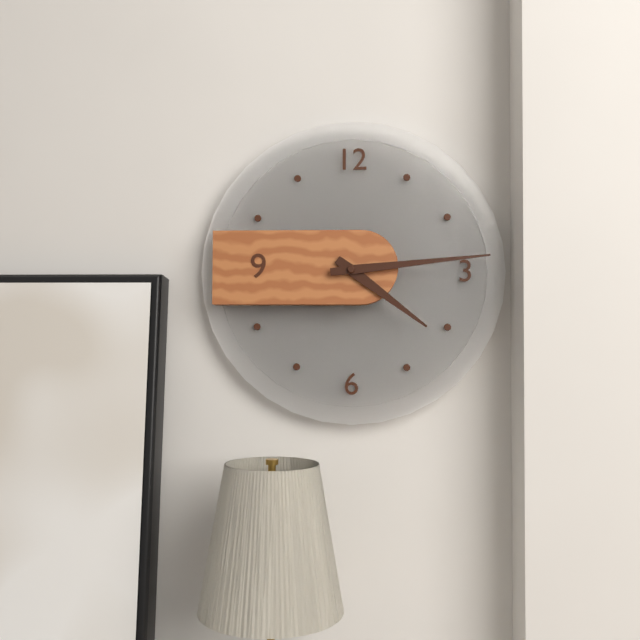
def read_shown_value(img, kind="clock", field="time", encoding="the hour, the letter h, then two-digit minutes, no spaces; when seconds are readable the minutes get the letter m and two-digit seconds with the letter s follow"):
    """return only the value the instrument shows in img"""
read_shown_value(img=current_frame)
4h14
